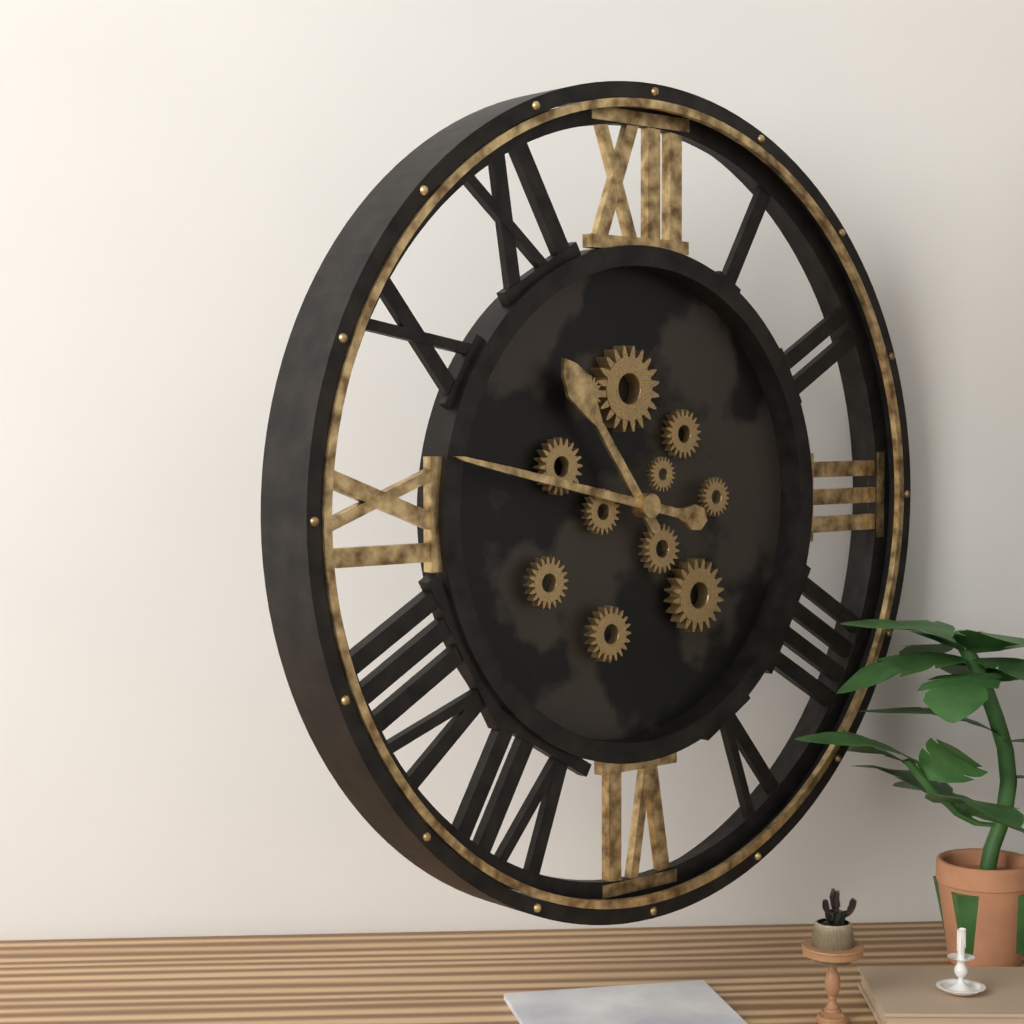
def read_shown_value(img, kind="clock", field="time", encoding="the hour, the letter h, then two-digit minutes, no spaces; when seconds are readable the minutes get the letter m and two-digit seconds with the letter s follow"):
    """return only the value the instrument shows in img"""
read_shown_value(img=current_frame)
10h47
